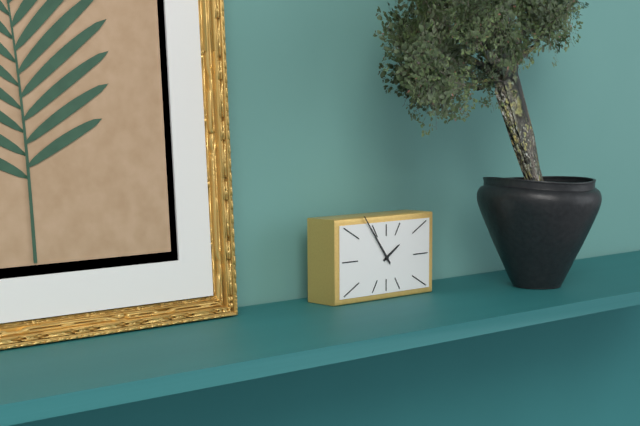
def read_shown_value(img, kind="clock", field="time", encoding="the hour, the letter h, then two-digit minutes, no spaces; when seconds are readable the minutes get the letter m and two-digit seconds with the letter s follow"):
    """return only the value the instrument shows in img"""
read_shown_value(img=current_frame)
1h54
